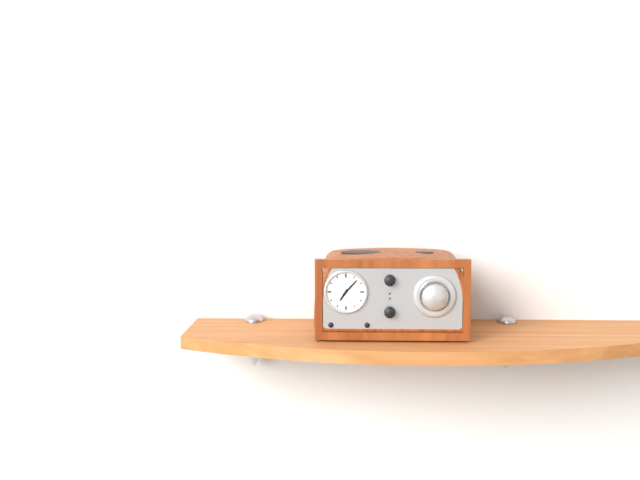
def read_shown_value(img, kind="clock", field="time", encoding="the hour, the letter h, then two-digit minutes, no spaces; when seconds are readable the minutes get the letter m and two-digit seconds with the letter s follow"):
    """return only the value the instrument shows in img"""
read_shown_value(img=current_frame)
7h07
